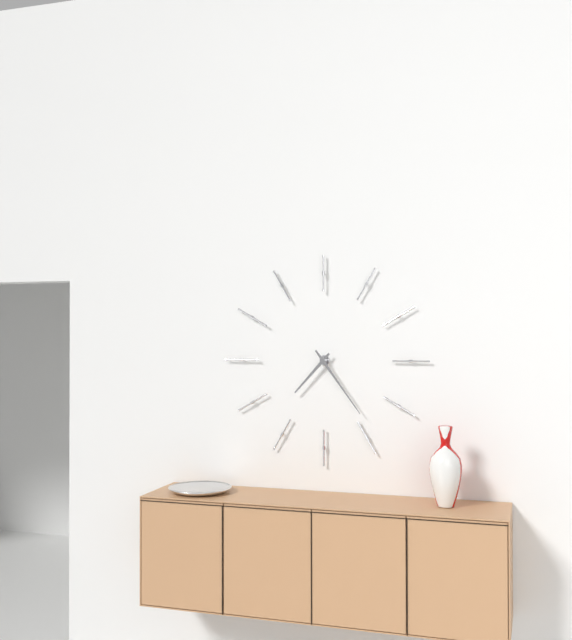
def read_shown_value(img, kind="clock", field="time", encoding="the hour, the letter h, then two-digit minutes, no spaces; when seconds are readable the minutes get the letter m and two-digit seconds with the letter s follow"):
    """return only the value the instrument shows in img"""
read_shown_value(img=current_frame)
7h24
